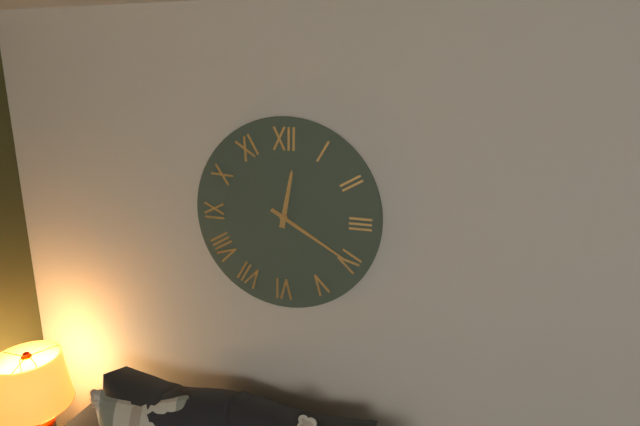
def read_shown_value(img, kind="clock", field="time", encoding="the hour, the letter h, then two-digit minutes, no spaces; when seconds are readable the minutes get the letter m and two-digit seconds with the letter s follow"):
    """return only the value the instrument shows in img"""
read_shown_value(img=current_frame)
12h20
